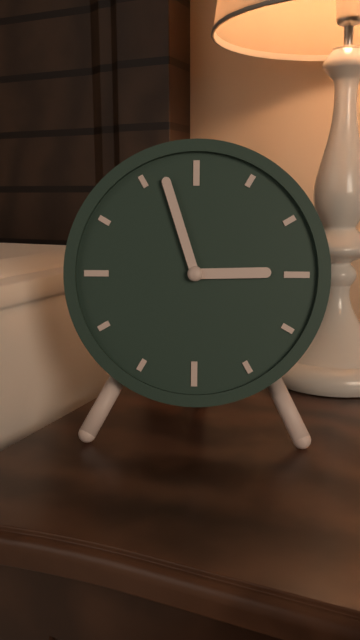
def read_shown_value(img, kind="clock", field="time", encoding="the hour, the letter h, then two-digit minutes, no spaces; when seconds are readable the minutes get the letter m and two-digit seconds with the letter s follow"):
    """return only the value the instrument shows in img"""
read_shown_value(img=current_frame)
2h57
